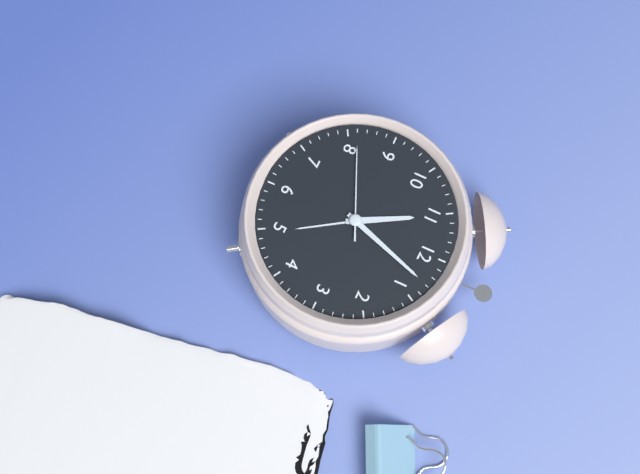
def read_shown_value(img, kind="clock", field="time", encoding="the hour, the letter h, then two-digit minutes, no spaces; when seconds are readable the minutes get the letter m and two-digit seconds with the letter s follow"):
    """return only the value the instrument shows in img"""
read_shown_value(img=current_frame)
11h03m41s
